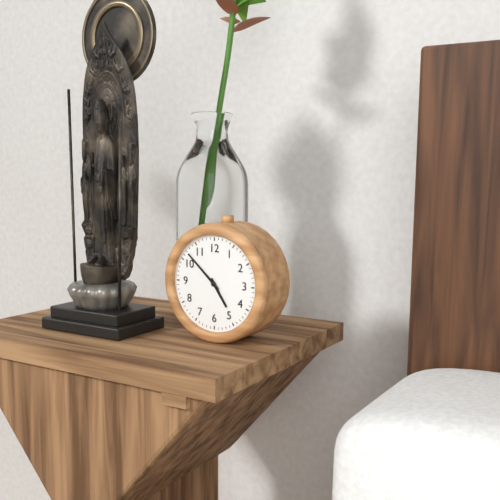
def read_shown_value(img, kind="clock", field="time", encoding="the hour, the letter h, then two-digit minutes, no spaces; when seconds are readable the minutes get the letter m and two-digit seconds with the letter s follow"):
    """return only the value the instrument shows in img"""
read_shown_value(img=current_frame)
4h52
